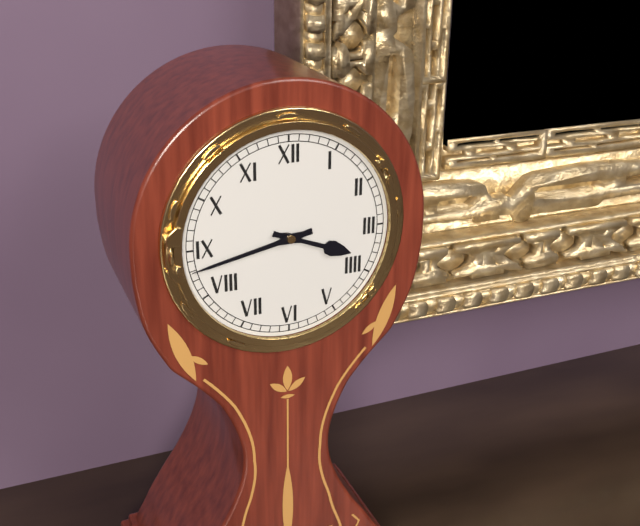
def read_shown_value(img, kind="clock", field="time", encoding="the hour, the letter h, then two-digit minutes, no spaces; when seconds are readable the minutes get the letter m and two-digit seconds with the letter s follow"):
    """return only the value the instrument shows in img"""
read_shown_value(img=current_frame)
3h43
